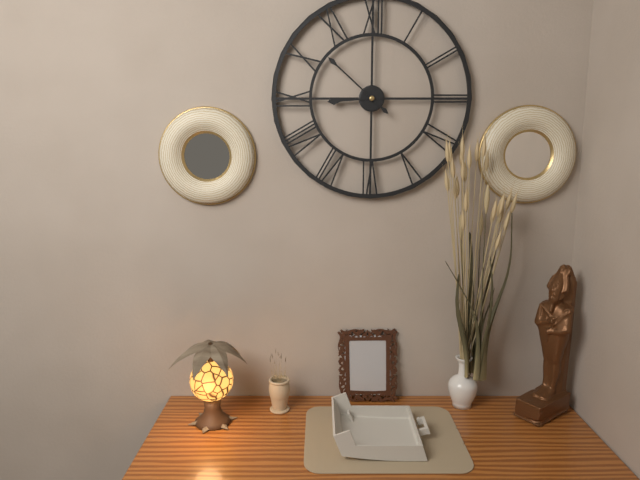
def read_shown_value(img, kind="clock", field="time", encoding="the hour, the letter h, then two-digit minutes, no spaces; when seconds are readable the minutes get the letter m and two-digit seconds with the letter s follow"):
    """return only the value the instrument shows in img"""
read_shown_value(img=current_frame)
8h52
